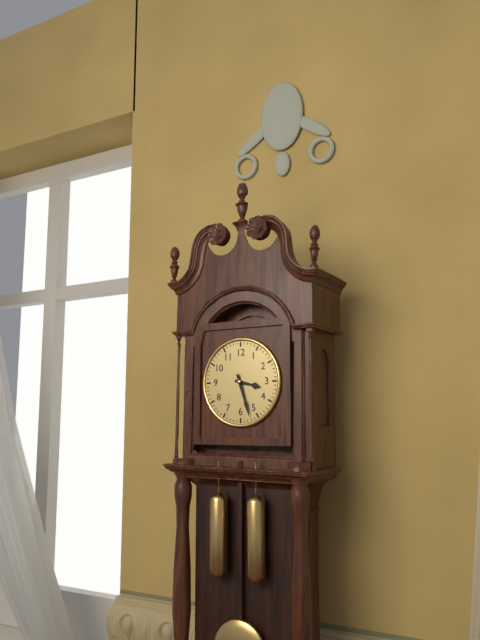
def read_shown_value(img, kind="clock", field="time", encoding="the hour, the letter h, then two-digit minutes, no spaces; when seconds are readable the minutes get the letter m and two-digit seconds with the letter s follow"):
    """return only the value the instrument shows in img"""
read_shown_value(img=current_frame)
3h27
